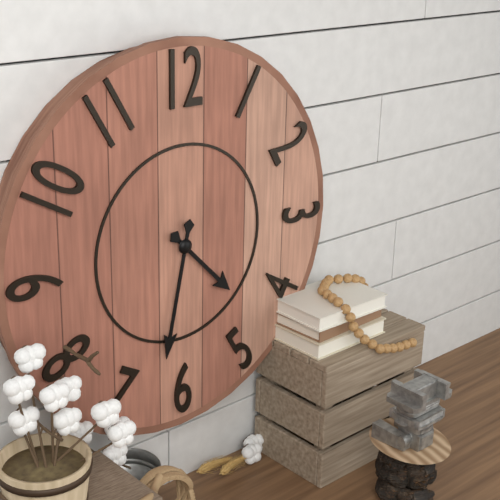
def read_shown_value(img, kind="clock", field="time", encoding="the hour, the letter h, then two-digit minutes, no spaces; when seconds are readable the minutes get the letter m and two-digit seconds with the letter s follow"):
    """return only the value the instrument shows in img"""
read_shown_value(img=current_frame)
4h32
